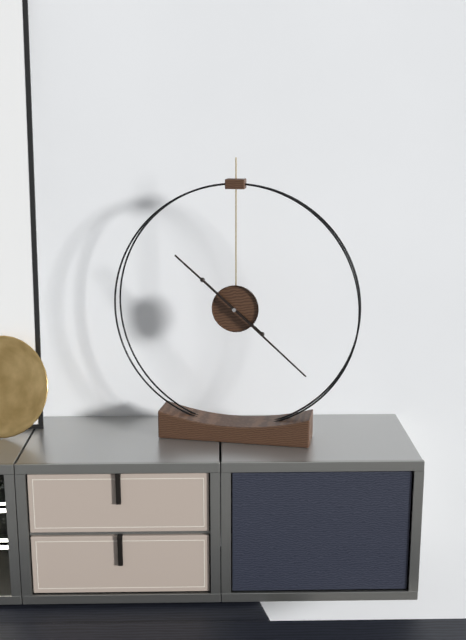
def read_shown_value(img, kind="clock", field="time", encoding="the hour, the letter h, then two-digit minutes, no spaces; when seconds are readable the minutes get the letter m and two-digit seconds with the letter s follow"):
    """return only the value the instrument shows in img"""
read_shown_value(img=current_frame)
10h22
